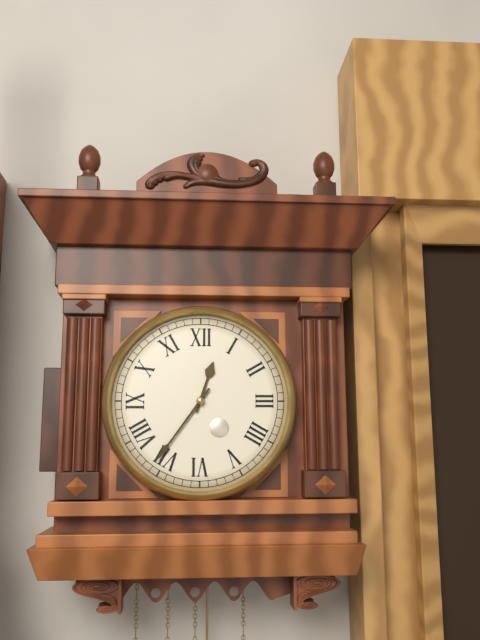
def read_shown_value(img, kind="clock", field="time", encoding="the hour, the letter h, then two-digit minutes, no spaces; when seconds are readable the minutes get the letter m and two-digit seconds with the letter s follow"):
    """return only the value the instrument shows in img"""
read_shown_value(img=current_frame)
12h36
